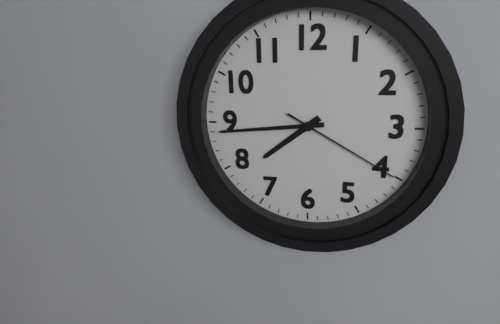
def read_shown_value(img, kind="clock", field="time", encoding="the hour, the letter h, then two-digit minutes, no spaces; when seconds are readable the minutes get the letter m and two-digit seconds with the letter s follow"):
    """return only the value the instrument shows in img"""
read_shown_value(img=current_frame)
7h44m20s
